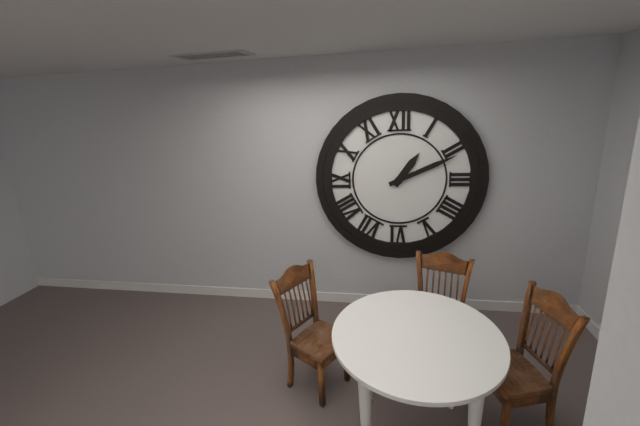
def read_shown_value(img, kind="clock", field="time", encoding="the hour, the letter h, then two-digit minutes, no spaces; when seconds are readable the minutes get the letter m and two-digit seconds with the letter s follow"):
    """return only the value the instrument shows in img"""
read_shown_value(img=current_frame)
1h11
